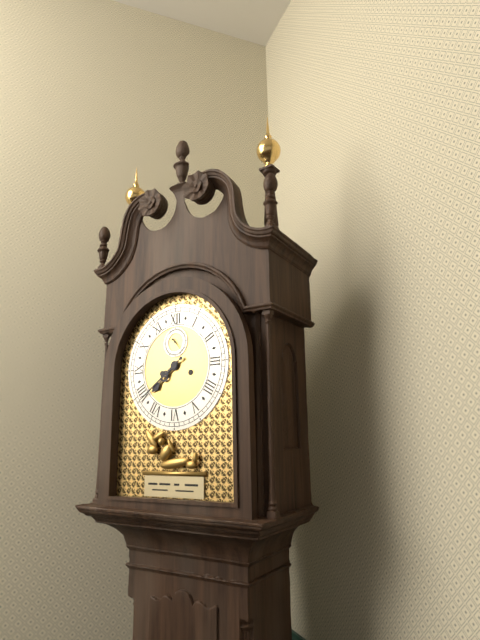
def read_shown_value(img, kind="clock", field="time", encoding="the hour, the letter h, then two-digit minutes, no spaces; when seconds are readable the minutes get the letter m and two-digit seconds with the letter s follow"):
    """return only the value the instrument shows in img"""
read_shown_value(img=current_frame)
7h39
